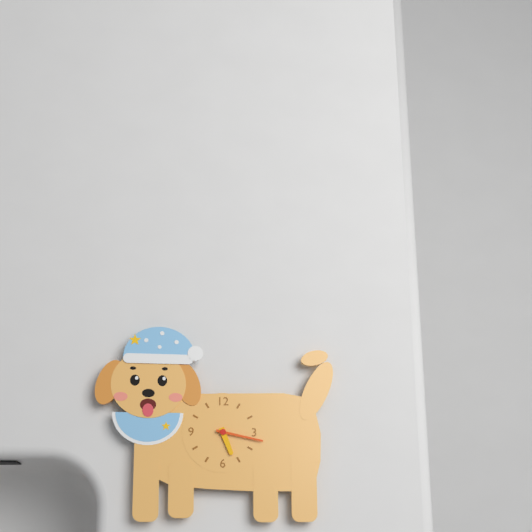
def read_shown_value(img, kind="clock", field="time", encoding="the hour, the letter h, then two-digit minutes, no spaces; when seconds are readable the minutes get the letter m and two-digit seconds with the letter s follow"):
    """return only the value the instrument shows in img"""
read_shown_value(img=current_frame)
5h17
